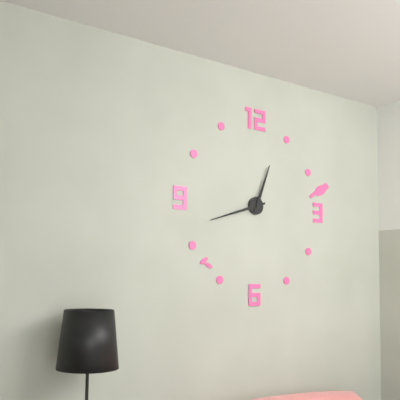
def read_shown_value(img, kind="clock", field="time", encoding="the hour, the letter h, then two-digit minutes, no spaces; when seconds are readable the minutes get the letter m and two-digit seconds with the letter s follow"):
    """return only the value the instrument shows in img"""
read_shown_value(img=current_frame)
12h42
